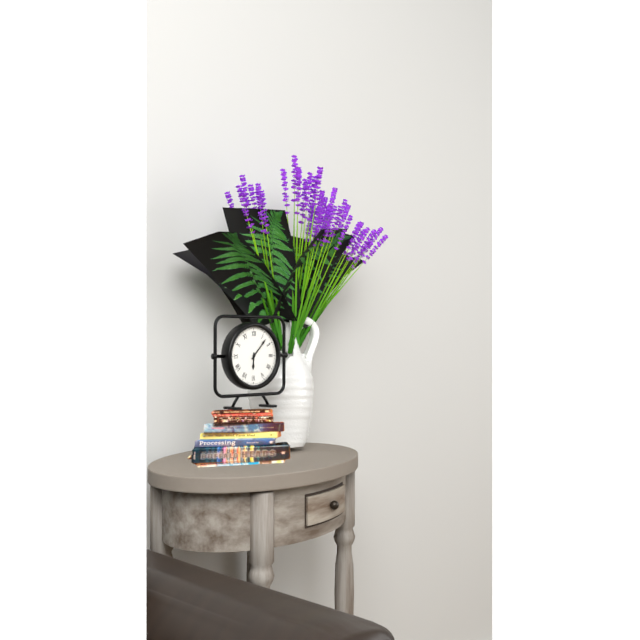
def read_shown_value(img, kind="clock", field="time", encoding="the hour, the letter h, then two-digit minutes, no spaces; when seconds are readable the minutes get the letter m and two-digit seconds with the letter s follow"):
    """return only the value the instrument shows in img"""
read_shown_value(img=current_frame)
6h07
